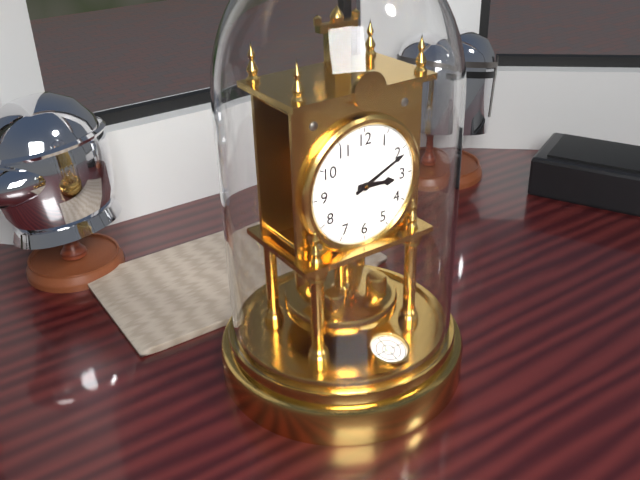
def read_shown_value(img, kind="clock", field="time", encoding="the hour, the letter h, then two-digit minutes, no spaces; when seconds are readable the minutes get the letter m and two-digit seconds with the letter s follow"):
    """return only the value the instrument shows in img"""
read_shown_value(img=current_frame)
3h11
